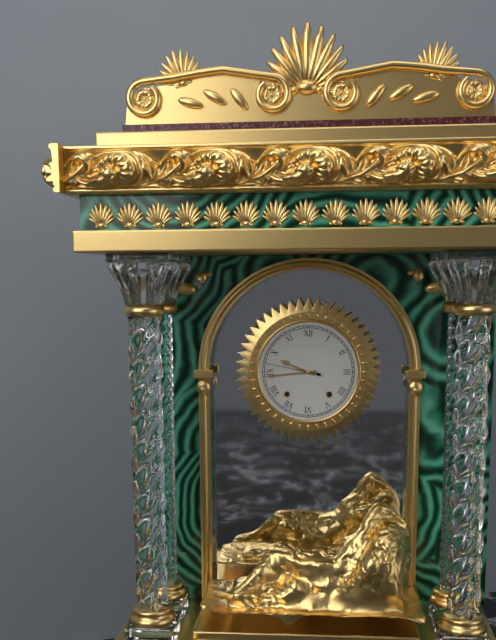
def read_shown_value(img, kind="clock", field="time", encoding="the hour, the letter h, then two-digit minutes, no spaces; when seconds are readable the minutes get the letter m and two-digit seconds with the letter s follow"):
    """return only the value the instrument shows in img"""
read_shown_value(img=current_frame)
9h44m47s
